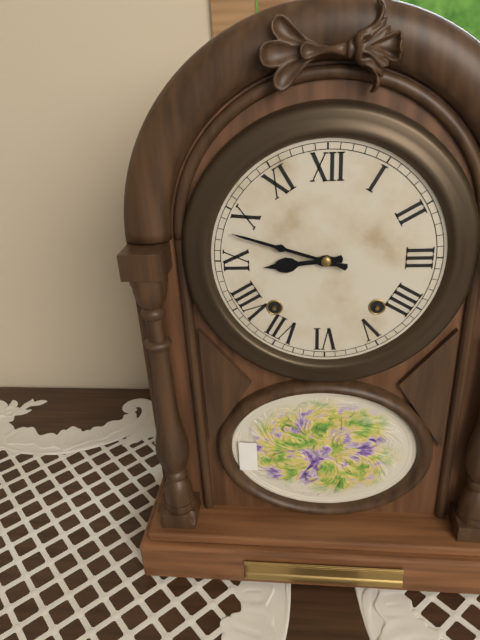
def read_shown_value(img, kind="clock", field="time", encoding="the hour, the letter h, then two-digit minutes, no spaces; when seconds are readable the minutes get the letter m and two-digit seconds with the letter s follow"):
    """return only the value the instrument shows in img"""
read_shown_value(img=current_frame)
8h48
